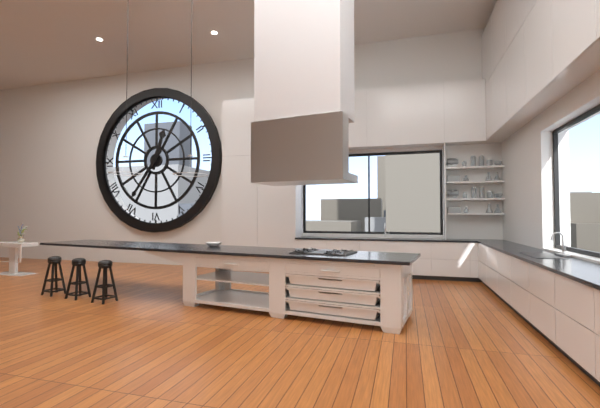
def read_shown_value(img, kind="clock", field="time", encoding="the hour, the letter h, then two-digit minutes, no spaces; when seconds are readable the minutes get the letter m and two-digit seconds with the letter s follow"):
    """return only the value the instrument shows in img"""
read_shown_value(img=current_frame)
12h36
